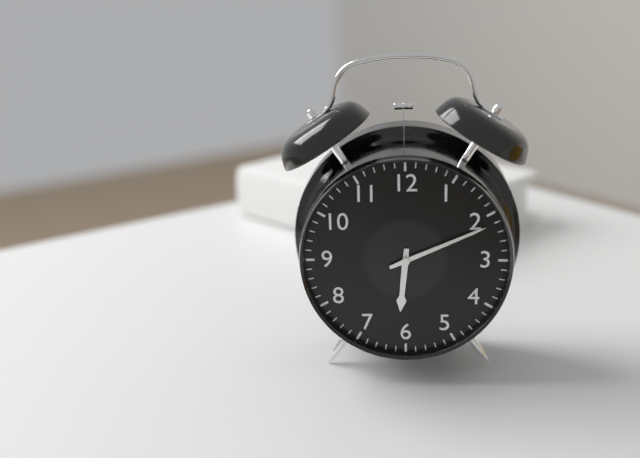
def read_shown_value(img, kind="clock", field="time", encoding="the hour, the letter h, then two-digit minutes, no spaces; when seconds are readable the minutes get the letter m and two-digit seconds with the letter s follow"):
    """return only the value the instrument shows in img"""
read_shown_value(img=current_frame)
6h11
